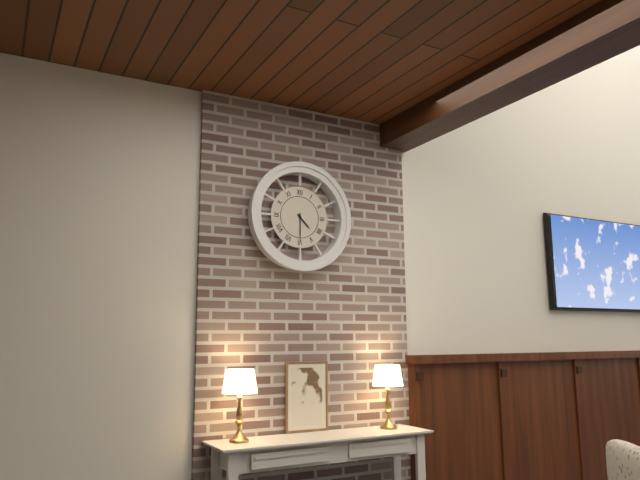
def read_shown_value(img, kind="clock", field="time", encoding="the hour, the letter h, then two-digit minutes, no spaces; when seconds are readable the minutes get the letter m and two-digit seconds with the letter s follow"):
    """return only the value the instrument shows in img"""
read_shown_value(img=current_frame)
4h30
